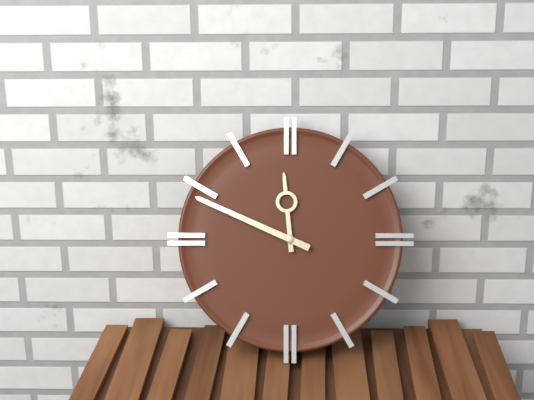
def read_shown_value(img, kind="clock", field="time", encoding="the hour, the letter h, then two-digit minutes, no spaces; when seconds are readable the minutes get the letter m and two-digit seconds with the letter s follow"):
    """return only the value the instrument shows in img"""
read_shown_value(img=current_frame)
11h49
